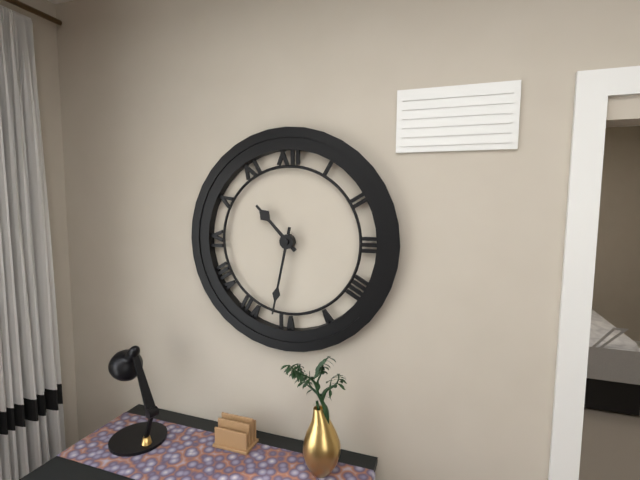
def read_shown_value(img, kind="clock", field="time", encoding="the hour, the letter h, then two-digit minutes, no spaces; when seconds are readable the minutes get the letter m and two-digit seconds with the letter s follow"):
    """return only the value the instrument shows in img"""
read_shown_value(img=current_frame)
10h32
